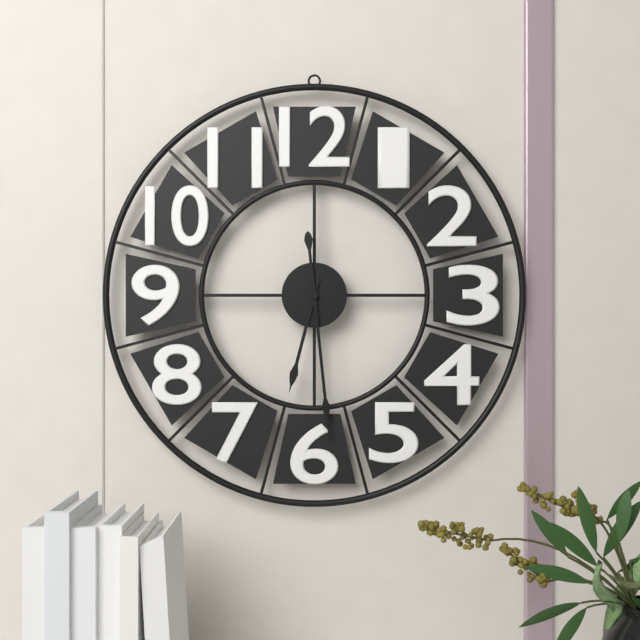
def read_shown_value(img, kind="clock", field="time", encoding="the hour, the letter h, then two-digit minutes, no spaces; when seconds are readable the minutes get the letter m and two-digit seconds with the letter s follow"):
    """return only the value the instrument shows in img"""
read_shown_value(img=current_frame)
6h29
